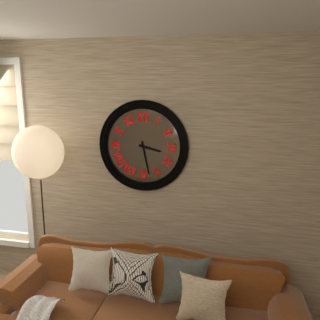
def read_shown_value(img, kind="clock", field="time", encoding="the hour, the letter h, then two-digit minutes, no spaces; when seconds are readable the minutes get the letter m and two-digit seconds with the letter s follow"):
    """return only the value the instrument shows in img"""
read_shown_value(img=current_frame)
3h28
